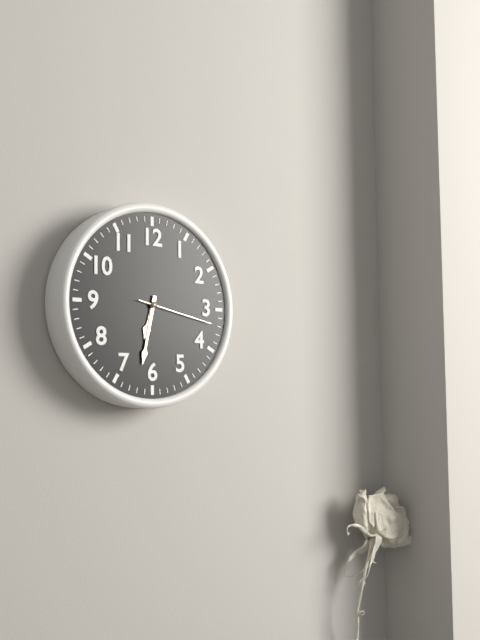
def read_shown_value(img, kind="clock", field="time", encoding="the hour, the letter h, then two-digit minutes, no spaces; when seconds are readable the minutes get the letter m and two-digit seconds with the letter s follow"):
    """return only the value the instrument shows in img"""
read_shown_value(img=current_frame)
6h32m17s
